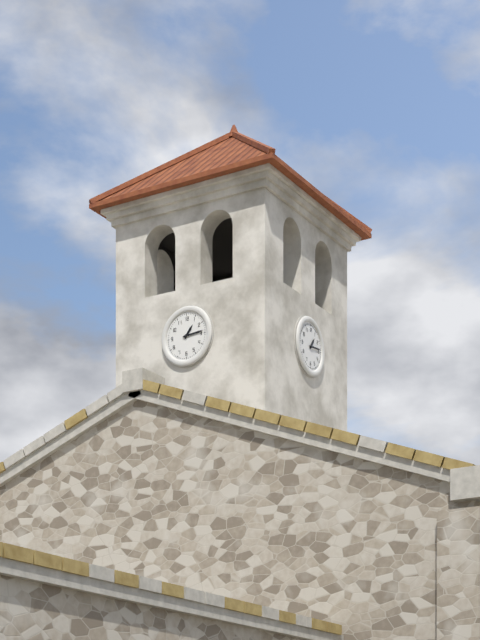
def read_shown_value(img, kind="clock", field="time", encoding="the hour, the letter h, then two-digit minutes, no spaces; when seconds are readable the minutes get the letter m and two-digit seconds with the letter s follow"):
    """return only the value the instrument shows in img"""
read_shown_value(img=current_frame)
1h14
